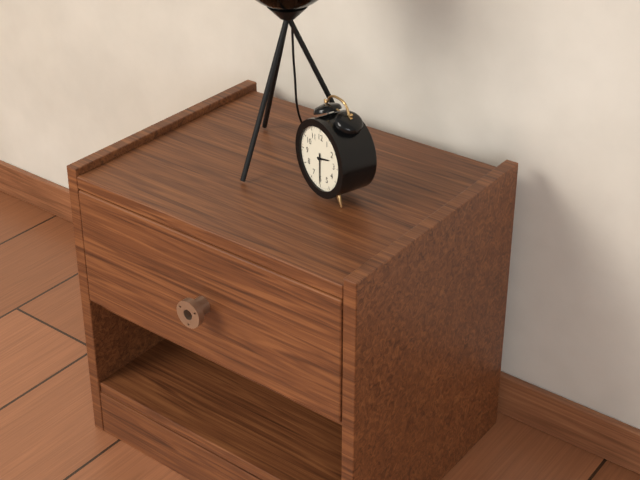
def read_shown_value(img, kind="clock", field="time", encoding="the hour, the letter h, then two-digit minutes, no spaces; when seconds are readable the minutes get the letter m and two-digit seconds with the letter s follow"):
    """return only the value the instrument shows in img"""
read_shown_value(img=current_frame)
2h30
